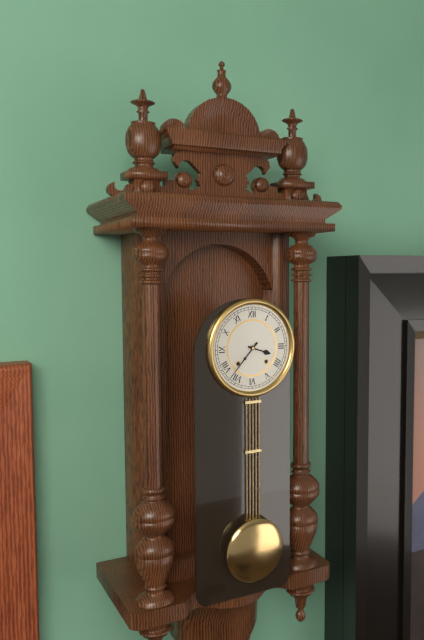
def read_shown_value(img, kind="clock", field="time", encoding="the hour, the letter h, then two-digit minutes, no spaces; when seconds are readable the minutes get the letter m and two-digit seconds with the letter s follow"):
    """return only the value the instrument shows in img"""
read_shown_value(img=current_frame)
3h37
